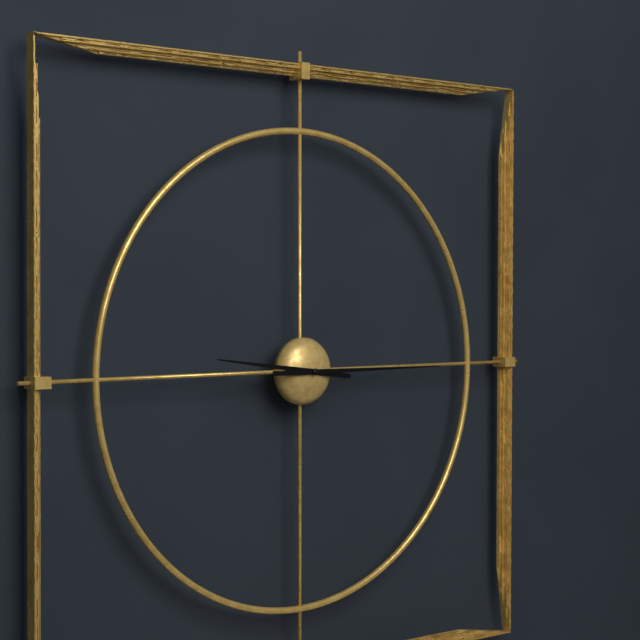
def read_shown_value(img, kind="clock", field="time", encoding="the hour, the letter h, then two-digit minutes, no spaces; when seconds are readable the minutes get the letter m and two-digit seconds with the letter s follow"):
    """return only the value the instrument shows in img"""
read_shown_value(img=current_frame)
9h15
